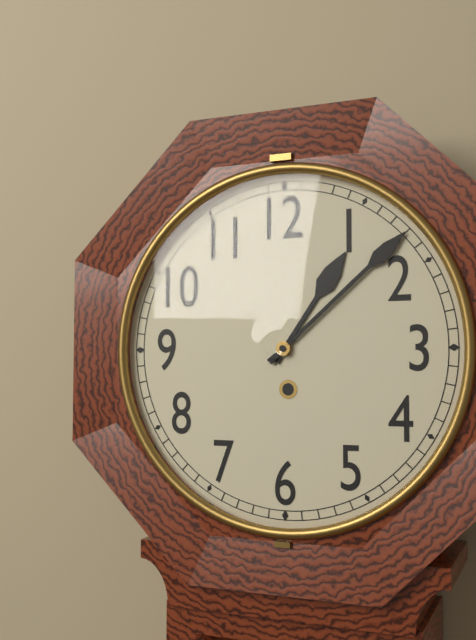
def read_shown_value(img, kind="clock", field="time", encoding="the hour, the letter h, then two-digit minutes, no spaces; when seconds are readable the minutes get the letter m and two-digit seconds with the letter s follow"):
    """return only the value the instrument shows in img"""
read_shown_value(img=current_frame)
1h08
